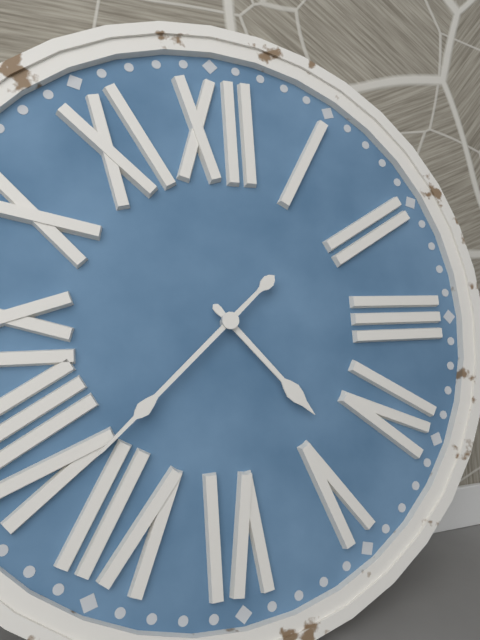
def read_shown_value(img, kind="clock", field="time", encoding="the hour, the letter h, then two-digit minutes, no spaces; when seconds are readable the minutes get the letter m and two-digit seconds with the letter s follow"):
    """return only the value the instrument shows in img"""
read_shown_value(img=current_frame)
4h38
